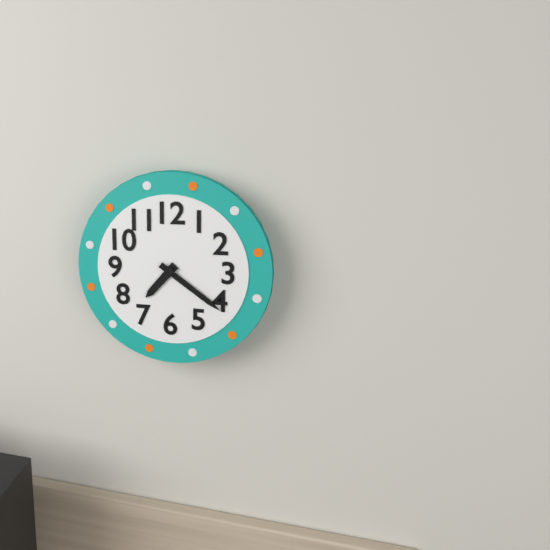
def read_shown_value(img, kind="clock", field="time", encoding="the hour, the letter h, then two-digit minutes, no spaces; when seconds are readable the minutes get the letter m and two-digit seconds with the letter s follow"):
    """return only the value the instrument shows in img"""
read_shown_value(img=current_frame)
7h21
